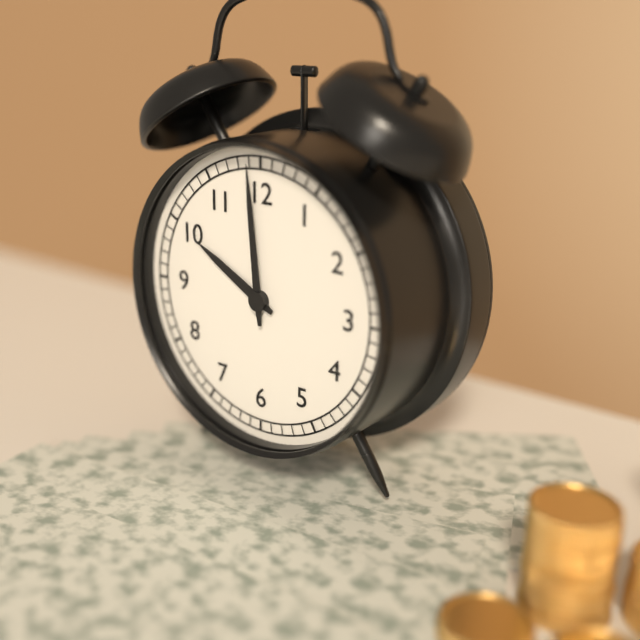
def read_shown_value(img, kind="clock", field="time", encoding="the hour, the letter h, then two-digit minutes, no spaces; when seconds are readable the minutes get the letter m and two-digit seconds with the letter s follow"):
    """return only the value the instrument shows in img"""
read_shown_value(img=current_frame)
9h59
